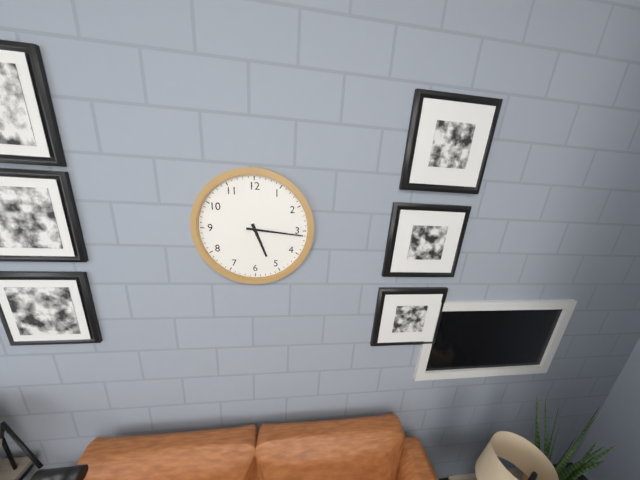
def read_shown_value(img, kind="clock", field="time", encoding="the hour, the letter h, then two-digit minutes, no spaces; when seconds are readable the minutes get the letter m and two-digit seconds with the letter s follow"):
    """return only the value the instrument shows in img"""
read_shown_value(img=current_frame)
5h16
